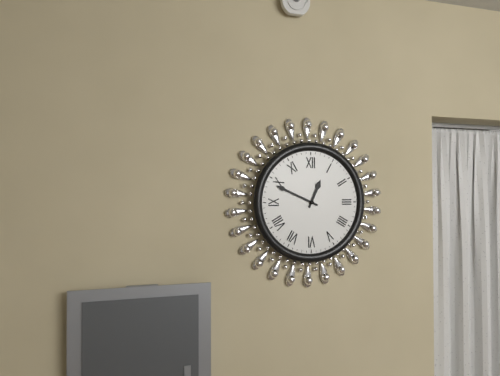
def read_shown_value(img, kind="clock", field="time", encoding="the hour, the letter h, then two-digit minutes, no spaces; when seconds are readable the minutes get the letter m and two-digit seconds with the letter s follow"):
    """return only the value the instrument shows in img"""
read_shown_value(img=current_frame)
12h49
